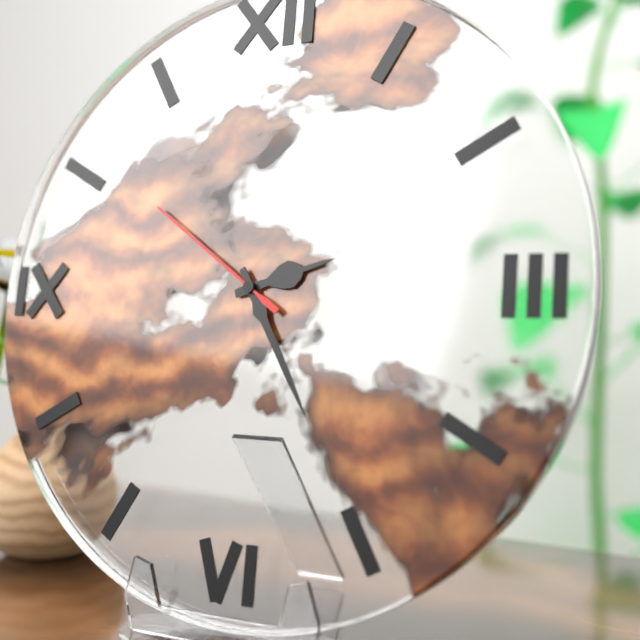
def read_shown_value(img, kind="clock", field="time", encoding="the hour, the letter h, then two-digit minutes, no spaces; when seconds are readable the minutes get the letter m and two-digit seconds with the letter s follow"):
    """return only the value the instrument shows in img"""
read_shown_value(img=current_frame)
2h25m51s
